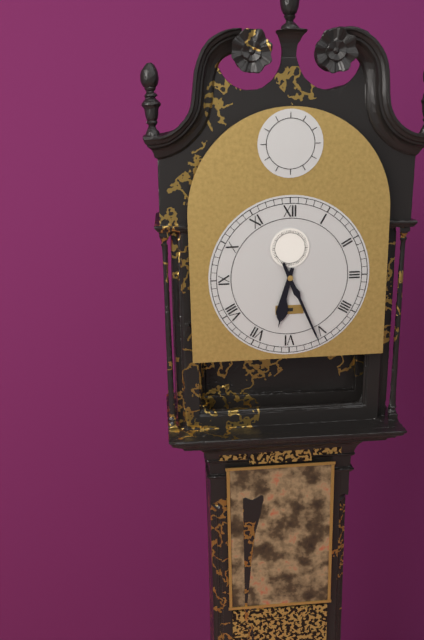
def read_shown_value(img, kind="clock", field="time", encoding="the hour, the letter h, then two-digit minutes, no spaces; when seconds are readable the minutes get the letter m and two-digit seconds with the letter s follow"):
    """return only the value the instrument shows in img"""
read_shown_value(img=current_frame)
6h26
